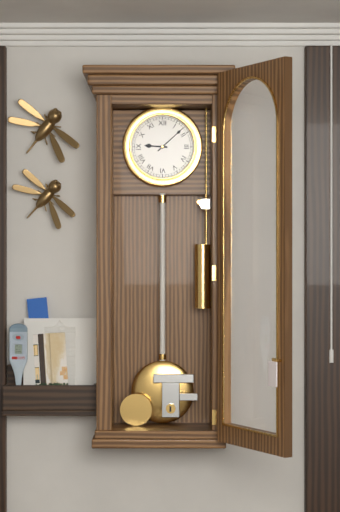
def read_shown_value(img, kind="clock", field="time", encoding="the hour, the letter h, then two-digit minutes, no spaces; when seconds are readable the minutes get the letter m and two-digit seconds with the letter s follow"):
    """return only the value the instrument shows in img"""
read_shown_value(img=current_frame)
9h08
